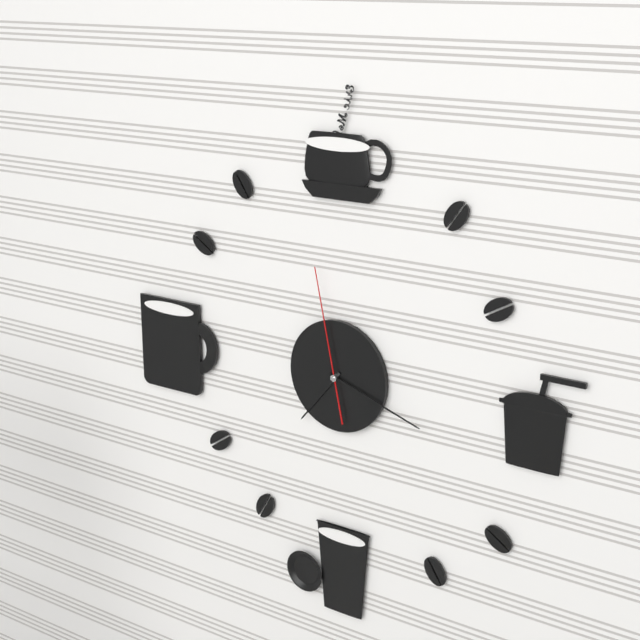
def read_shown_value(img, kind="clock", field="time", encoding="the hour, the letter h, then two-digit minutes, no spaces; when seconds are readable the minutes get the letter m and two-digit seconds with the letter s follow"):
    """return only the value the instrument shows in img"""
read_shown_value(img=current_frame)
7h18m58s
